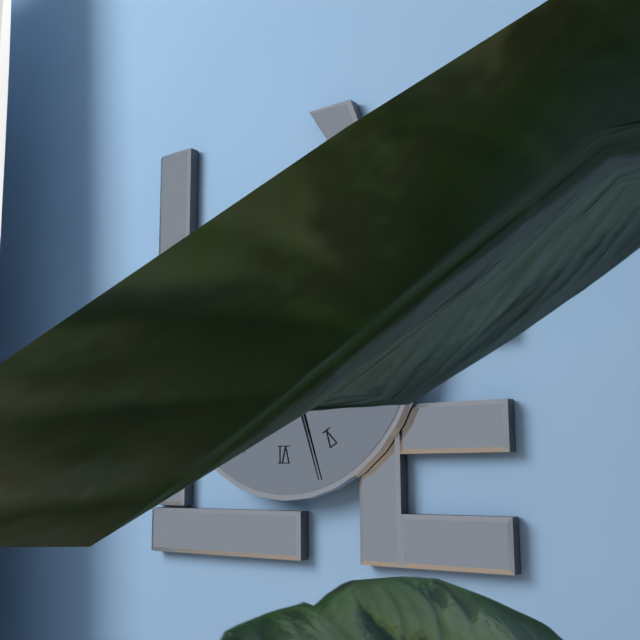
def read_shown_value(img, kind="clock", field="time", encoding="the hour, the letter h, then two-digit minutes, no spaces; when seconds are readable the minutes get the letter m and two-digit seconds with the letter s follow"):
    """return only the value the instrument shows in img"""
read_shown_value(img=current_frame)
7h27
